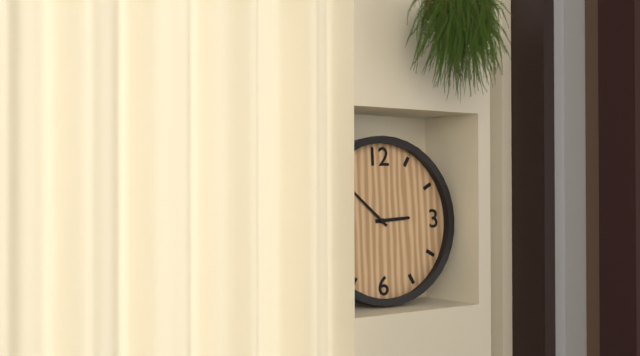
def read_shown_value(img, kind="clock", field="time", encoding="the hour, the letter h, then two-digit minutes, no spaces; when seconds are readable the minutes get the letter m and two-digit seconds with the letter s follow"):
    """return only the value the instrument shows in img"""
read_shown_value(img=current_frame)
2h52
